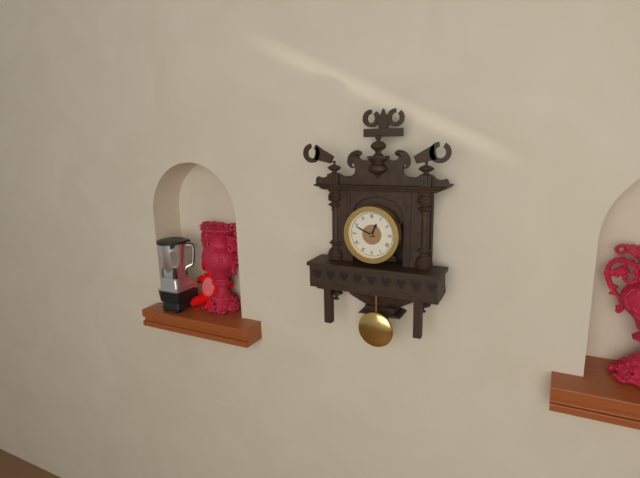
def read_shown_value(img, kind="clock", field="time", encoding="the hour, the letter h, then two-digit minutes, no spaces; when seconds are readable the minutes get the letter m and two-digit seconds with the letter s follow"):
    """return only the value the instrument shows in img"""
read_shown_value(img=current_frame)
12h49
